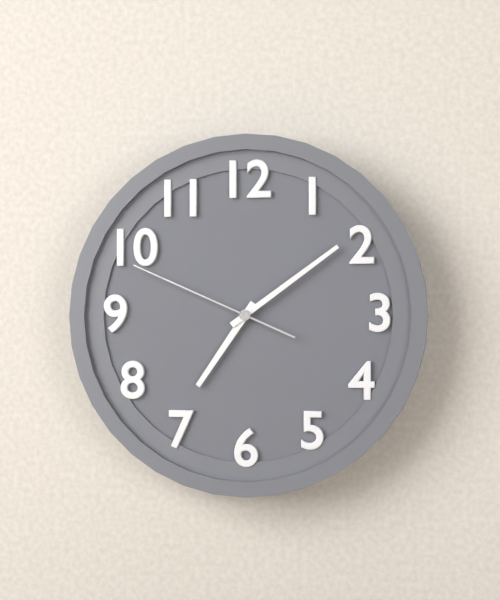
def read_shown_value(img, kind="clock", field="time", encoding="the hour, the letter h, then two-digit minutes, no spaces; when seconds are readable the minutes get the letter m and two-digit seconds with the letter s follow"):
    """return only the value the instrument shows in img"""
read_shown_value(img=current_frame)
7h09m49s
